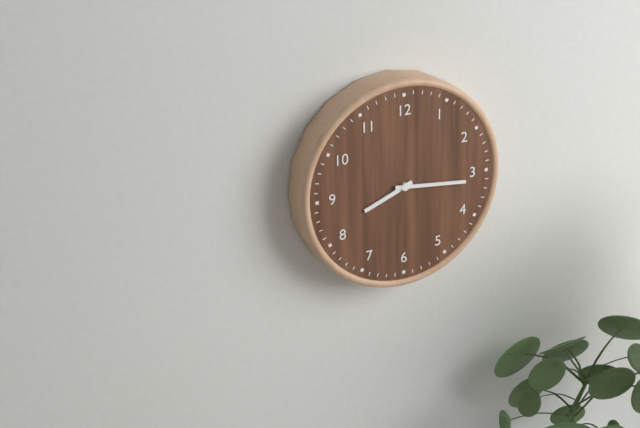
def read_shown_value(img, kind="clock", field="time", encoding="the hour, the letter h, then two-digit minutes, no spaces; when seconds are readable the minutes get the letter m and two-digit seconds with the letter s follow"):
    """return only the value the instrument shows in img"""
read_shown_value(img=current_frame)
8h16
